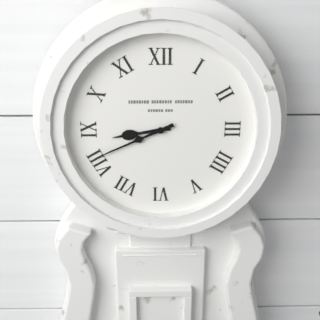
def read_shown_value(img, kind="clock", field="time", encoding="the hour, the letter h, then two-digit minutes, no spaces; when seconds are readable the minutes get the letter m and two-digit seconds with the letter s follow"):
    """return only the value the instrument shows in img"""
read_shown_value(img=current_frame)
8h41
